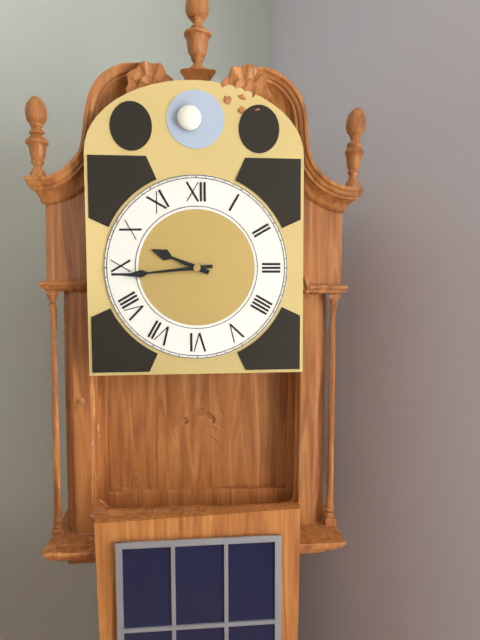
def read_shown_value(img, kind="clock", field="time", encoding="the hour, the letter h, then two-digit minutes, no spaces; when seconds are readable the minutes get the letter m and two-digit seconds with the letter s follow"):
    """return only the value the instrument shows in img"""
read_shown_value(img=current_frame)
9h44
